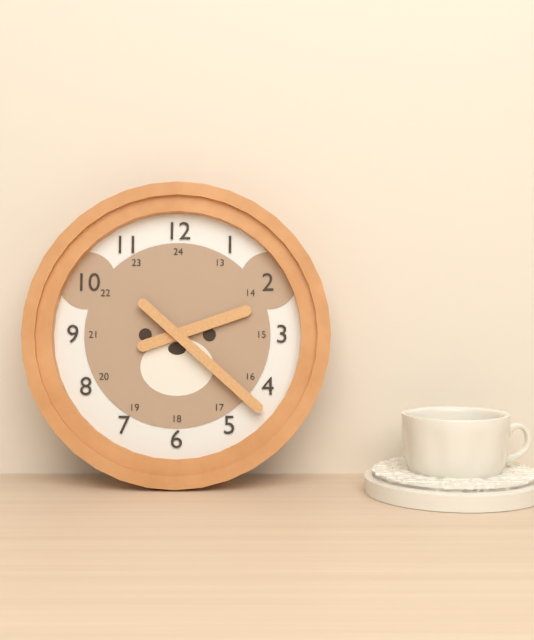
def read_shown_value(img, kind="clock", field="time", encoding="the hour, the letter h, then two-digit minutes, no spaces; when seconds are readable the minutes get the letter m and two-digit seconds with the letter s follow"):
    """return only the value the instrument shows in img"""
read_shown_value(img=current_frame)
2h22
